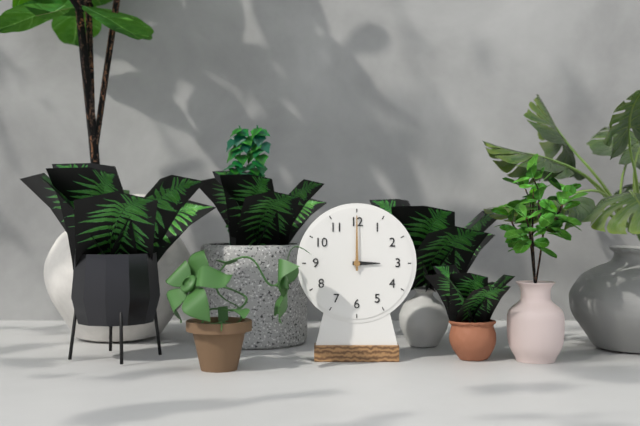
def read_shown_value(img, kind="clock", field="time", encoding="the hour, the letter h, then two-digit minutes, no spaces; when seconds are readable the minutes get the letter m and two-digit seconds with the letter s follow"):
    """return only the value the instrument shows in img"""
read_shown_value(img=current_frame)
3h00
